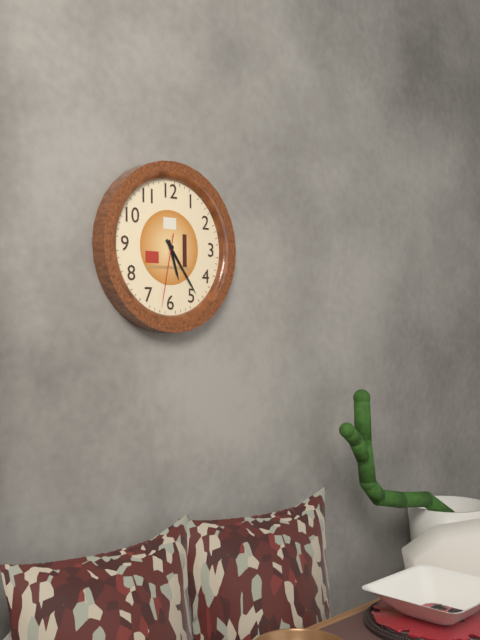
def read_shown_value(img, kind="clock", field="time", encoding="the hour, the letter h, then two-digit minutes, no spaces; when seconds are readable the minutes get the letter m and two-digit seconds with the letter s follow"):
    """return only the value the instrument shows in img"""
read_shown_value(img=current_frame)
5h24m32s
